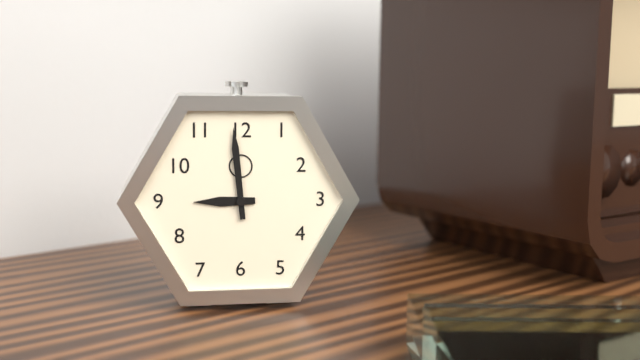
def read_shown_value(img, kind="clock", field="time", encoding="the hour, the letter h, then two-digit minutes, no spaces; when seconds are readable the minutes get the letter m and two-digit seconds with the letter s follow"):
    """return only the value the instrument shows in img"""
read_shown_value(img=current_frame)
8h59
